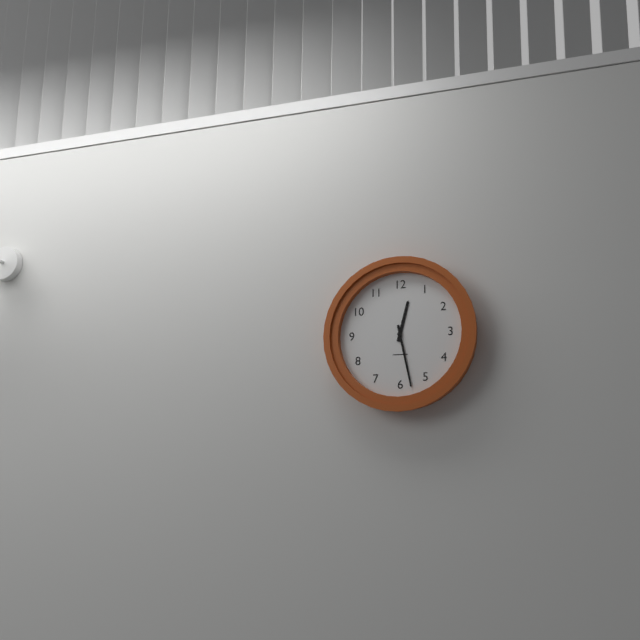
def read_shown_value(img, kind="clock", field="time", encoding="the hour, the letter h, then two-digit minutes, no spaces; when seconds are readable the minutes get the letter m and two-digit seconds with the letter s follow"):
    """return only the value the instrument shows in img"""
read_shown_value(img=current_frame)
12h28
